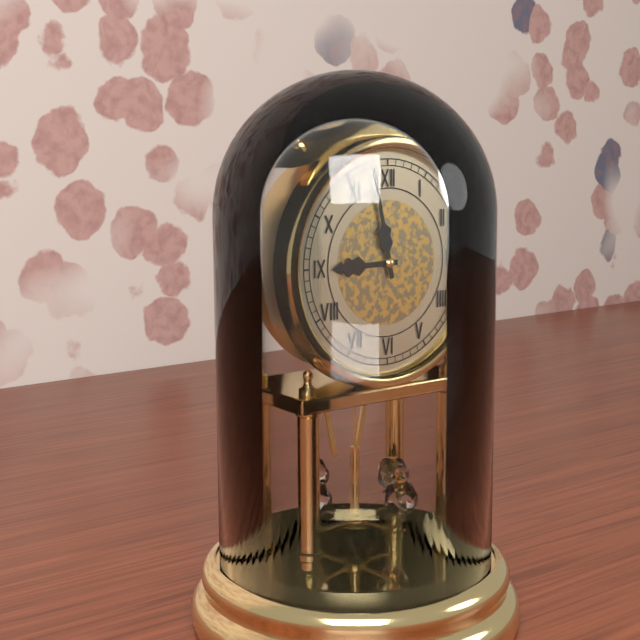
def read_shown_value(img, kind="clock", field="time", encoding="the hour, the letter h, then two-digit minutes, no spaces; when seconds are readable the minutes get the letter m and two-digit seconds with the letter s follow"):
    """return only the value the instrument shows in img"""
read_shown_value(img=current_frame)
8h58
